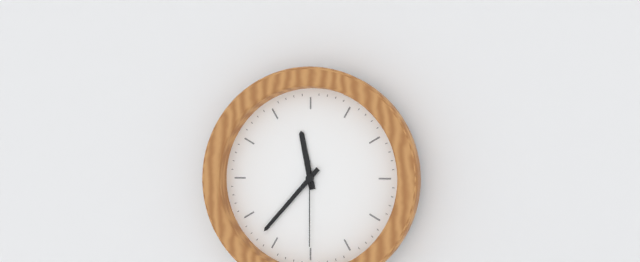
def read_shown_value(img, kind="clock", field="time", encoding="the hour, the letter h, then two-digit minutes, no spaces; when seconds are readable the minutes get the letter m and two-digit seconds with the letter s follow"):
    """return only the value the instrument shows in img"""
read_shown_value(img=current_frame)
11h37m30s
